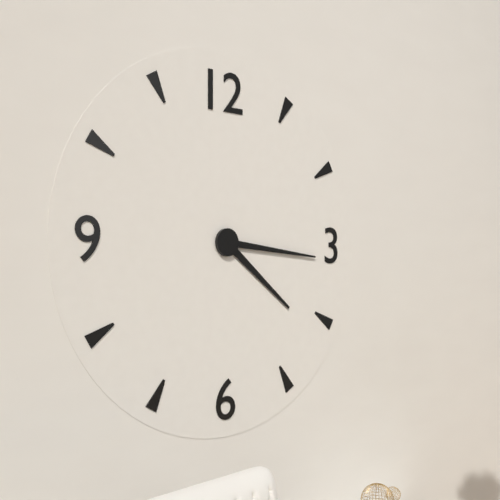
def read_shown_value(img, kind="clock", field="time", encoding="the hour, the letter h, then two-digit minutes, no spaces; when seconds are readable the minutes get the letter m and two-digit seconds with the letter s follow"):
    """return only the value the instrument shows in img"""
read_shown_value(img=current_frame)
4h16
